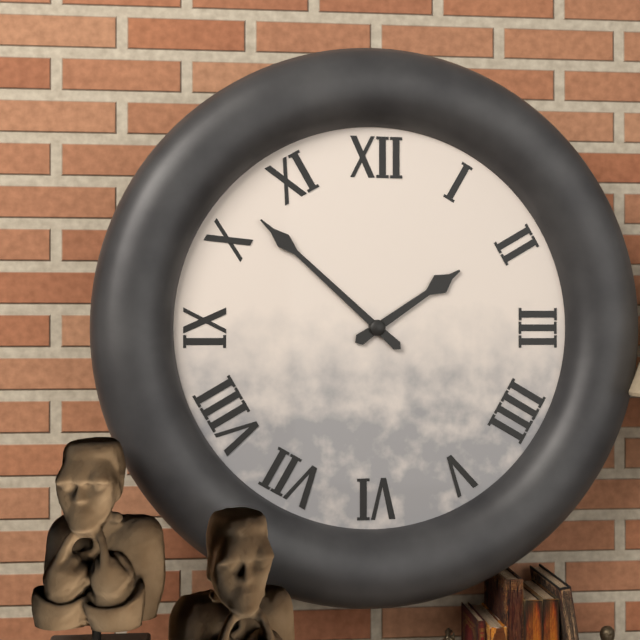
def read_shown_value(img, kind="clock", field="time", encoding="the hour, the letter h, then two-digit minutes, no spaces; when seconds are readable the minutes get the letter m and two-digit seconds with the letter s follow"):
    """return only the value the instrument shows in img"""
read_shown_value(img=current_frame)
1h52
